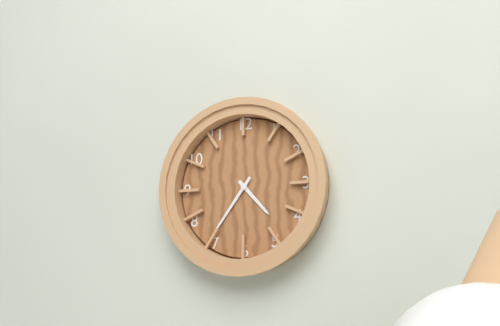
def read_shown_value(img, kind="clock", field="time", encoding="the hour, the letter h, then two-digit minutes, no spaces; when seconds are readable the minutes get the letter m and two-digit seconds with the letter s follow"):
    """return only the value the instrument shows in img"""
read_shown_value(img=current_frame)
4h36
